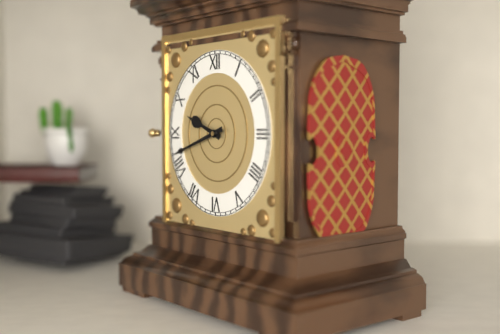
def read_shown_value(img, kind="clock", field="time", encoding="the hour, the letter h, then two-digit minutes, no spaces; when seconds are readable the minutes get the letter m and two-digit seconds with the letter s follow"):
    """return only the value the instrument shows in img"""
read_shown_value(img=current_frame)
9h42
